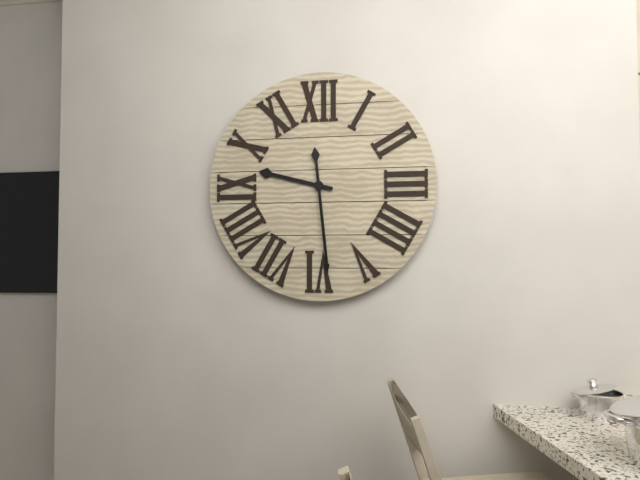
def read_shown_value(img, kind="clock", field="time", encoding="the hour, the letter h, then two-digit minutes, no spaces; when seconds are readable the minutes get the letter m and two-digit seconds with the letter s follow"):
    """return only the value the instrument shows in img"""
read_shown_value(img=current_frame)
9h29
